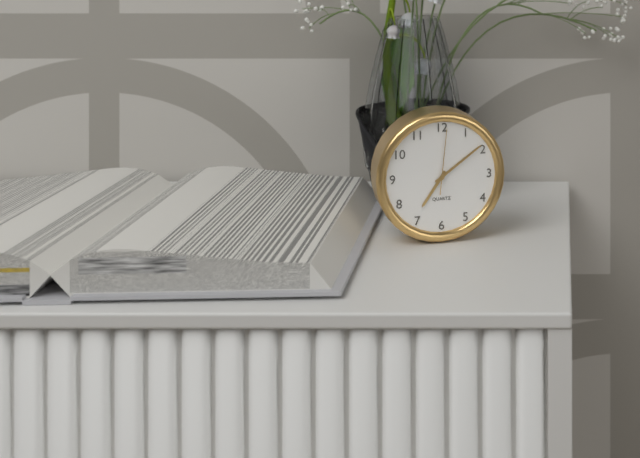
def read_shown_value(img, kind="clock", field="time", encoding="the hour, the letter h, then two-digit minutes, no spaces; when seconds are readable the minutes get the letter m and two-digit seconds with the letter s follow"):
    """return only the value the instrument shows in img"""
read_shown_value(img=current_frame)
7h09m01s
